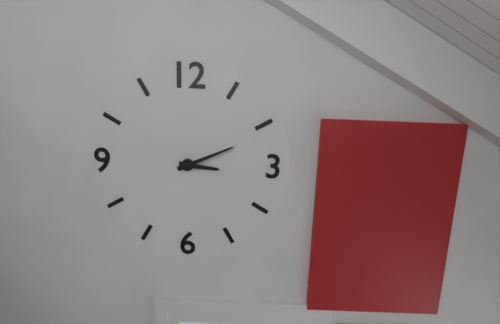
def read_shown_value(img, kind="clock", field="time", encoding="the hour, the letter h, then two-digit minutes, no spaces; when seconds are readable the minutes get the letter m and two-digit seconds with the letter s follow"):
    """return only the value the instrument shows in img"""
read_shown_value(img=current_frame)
3h11
